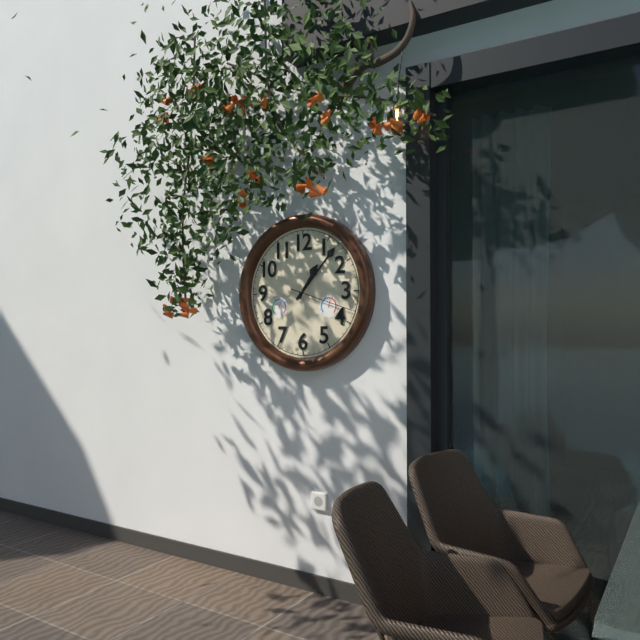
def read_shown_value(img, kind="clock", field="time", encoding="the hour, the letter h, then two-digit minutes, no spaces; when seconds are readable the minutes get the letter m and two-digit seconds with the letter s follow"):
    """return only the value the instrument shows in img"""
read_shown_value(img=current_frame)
1h07m18s
